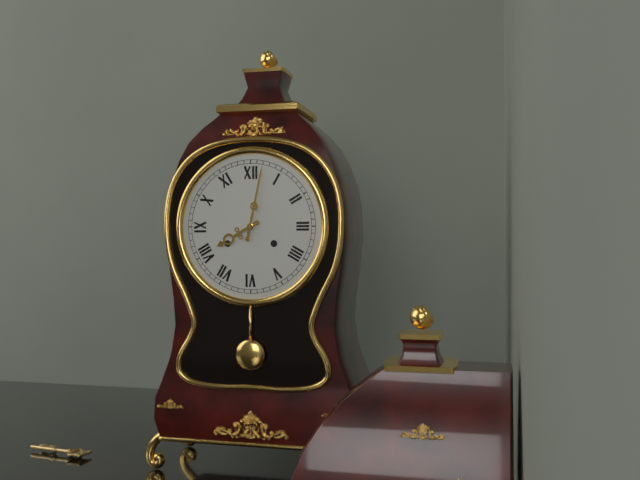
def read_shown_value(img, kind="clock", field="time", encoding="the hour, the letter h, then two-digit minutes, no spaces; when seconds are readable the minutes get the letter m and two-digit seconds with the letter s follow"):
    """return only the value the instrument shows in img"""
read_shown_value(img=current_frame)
8h02
